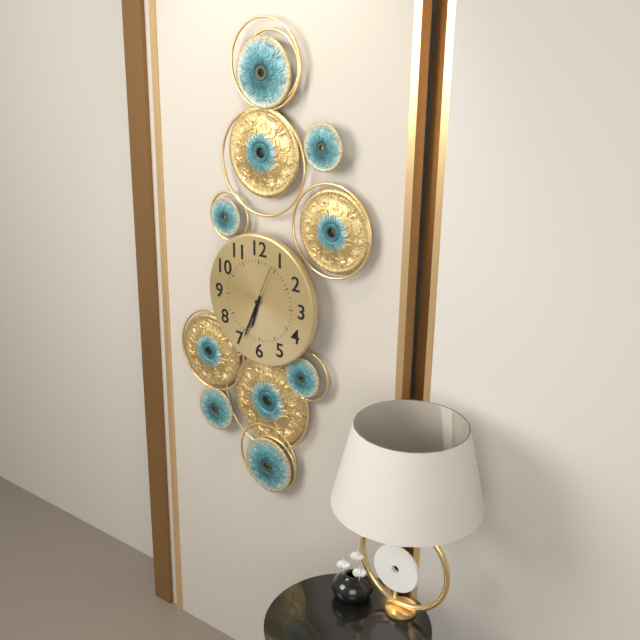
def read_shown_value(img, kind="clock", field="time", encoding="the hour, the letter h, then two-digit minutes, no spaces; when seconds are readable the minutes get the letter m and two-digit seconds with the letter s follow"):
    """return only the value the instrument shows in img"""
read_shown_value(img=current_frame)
6h34
